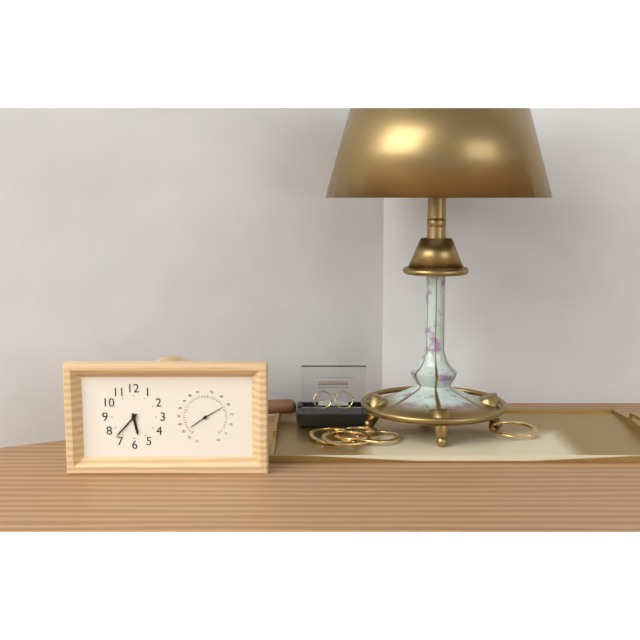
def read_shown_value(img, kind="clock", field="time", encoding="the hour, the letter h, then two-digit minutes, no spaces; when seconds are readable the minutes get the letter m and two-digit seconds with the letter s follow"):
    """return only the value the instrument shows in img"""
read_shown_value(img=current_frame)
5h37
